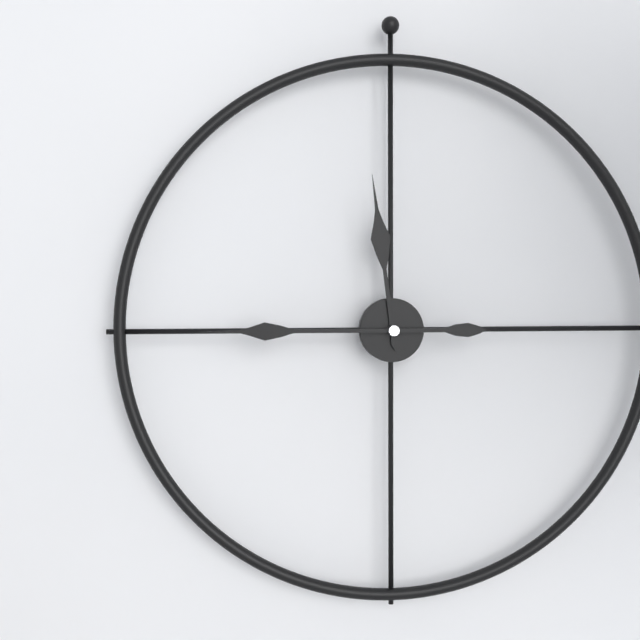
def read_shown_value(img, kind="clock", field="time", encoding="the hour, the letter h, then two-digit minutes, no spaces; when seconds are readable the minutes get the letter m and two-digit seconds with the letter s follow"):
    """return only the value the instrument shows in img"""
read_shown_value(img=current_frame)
11h45
